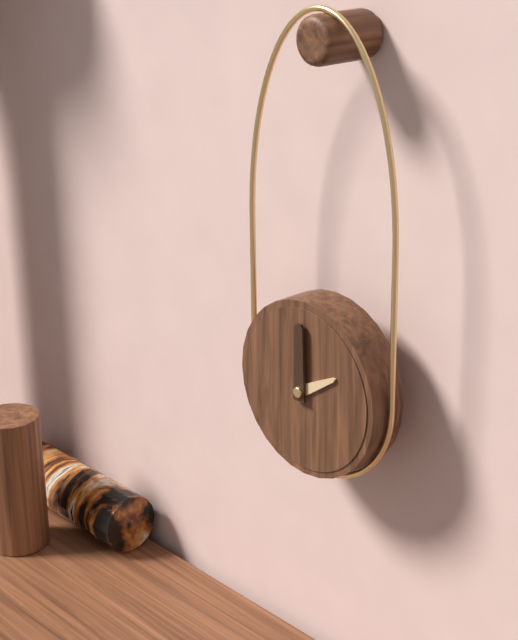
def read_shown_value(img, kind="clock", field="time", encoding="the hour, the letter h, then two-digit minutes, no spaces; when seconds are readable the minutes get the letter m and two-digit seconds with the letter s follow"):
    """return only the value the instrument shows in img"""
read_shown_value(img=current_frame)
2h00
